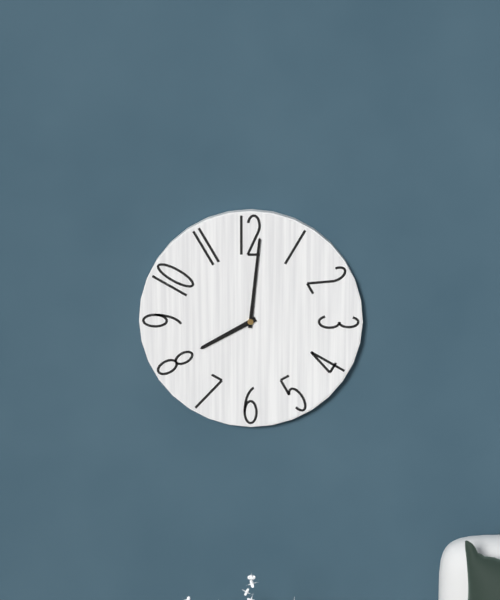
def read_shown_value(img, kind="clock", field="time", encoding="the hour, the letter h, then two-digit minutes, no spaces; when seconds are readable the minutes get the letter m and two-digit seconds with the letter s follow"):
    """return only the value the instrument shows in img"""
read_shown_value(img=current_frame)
8h01
